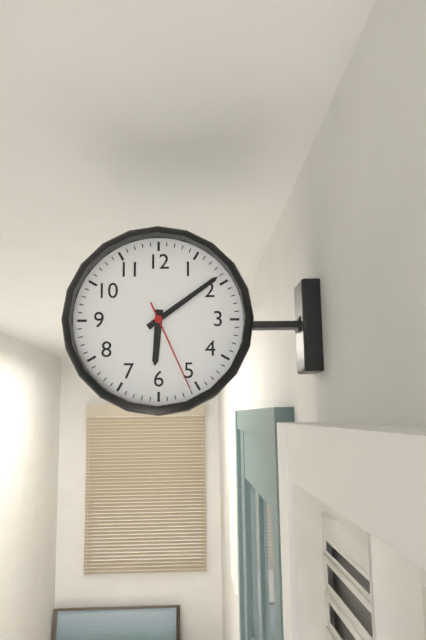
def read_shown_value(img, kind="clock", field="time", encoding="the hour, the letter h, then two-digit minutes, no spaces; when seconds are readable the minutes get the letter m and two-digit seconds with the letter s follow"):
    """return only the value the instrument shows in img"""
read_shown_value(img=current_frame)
6h09m26s
